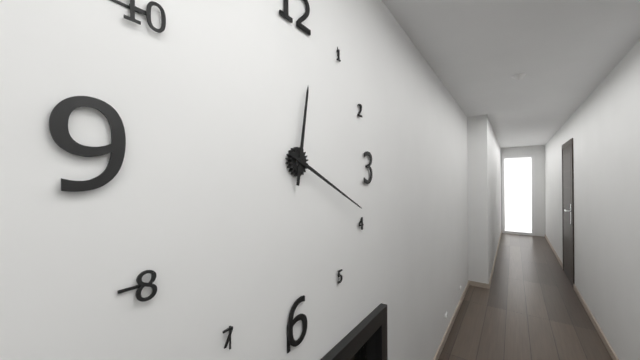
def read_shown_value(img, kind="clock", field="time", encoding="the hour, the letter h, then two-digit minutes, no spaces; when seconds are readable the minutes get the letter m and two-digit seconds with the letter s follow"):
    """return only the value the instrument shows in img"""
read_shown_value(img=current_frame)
12h19
